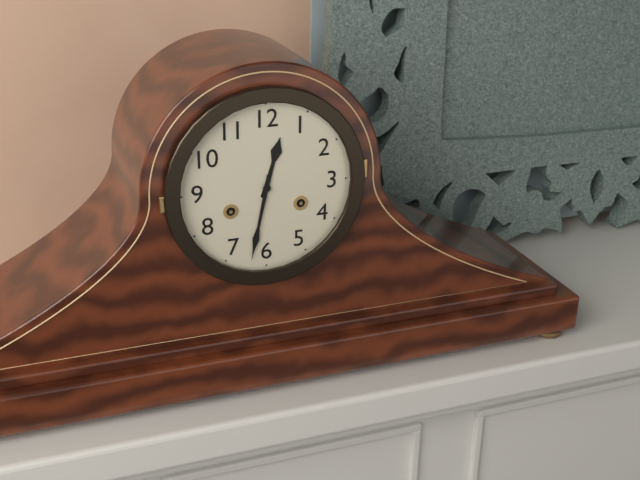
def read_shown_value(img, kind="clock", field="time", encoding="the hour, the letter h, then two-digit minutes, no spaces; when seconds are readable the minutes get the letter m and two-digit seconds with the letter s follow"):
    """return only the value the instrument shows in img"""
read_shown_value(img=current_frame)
12h32
